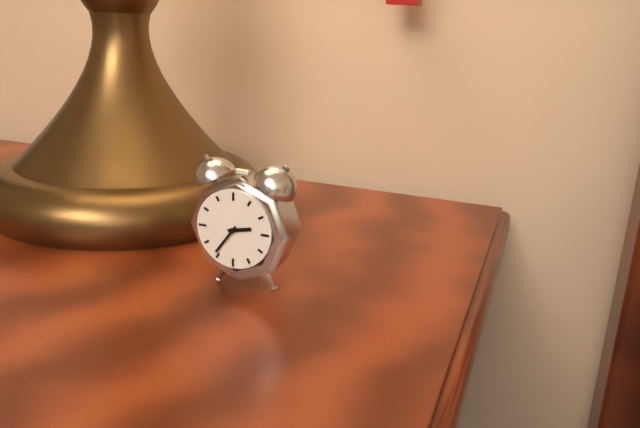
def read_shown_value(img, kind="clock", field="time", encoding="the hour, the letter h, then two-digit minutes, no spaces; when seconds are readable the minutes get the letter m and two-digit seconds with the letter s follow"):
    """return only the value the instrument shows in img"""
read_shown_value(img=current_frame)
2h36
